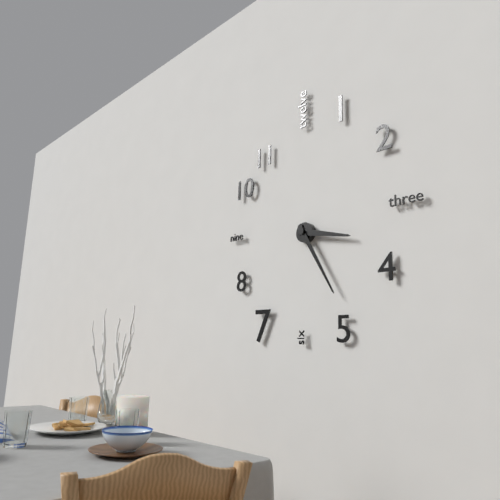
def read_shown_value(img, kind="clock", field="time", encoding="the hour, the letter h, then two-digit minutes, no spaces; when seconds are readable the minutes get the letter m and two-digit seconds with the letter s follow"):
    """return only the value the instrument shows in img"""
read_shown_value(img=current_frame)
3h25
